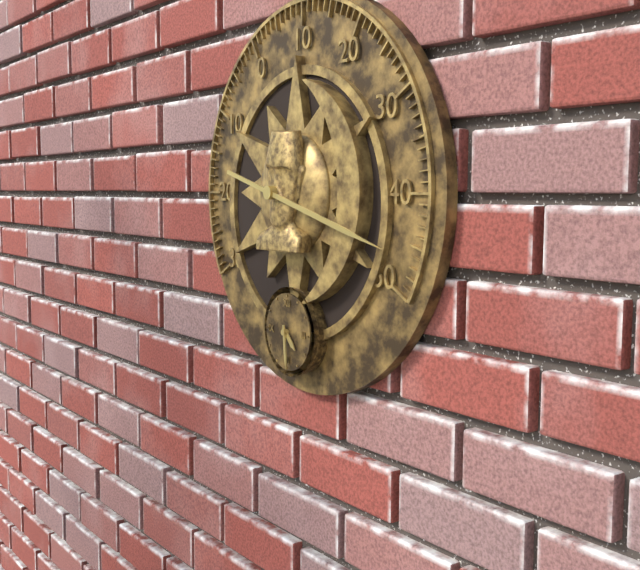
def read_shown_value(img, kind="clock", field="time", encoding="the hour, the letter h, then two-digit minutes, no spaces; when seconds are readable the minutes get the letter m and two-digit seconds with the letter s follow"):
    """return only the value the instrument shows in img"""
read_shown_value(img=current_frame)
4h29
